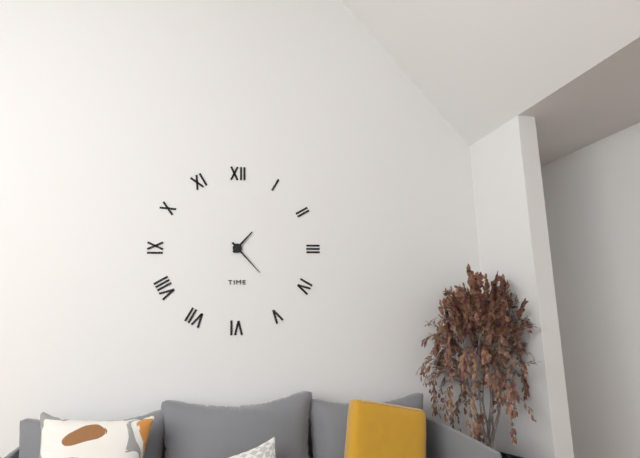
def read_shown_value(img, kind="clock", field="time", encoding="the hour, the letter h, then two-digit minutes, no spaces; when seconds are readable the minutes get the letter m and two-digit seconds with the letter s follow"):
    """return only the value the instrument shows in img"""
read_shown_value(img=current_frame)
1h23
